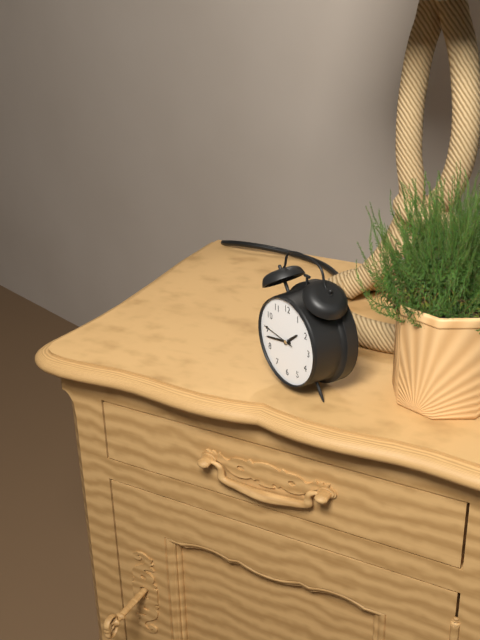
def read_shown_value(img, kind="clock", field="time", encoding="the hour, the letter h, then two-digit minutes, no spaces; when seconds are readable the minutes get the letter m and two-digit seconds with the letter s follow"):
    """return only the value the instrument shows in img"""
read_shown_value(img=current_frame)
1h43
